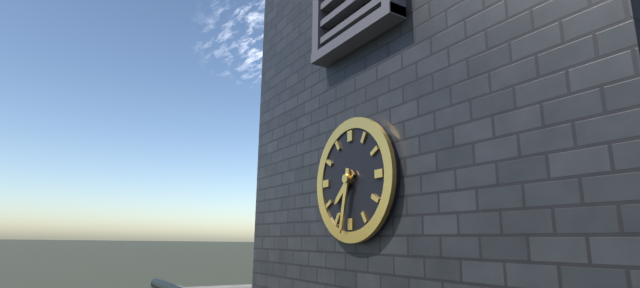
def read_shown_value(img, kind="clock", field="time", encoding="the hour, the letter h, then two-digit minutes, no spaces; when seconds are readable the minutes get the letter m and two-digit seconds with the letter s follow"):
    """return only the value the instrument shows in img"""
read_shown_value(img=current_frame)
7h32
